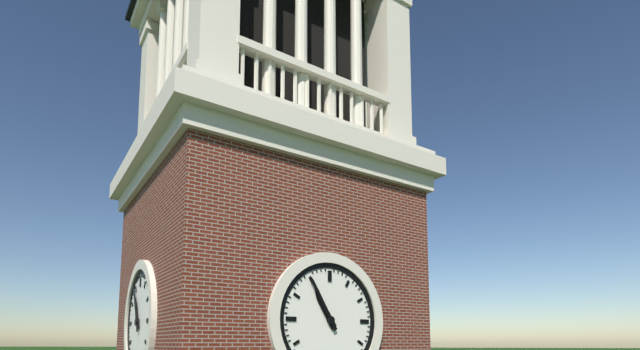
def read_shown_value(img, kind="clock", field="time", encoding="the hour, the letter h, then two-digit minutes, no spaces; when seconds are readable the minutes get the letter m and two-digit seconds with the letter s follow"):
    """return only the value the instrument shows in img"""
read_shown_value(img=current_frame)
10h55
